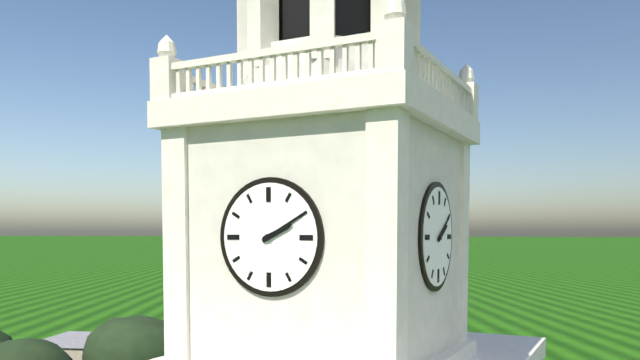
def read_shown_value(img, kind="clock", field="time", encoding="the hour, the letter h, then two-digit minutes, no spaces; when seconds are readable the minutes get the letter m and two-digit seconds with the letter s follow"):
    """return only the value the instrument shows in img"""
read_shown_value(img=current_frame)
2h10
